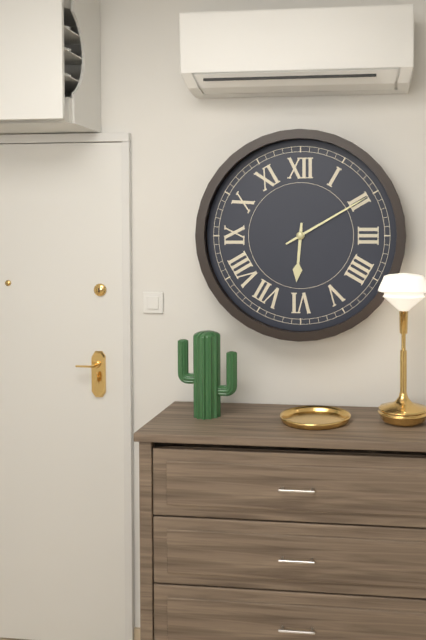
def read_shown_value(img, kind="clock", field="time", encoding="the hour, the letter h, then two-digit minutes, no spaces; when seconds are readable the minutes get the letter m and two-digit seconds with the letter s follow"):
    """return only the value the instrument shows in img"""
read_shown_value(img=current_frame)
6h10
